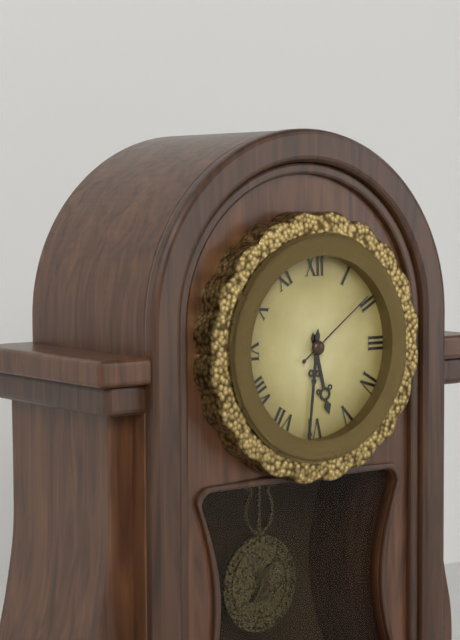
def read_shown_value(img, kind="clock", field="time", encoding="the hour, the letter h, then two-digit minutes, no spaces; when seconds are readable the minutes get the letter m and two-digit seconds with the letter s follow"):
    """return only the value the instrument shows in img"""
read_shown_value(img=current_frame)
5h31m09s
